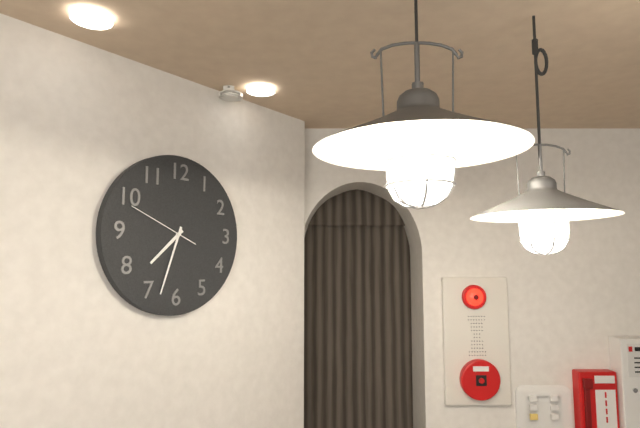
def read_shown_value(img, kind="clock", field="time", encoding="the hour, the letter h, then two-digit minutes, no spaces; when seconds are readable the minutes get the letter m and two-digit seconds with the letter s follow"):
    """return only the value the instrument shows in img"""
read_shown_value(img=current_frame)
7h33m49s
